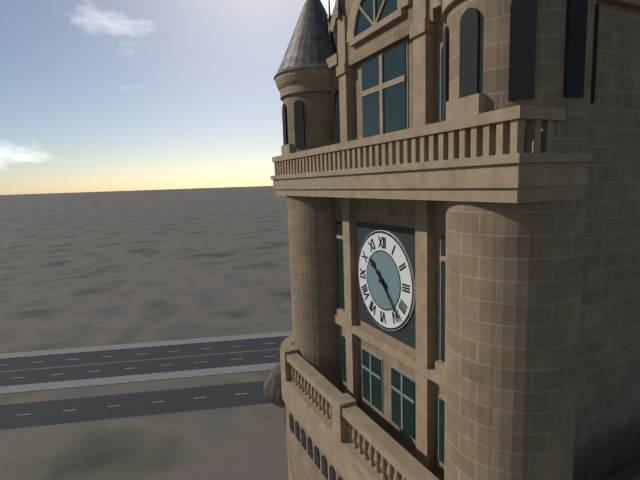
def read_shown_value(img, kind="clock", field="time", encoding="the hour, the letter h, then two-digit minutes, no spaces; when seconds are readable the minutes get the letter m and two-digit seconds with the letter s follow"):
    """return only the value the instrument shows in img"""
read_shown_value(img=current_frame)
10h23
